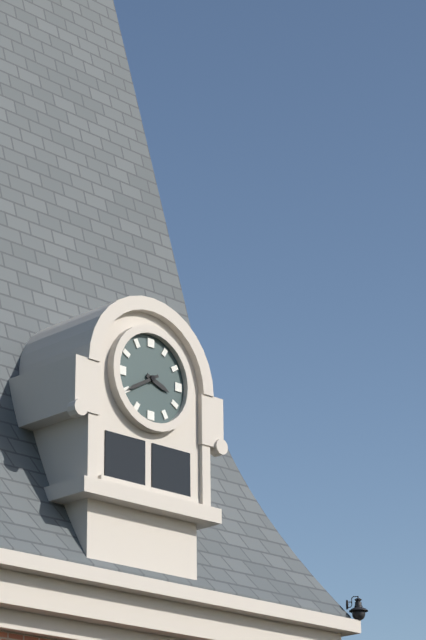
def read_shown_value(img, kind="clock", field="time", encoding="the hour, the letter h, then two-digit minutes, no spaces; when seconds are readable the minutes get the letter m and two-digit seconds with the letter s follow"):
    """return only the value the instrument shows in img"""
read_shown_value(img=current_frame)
3h40
